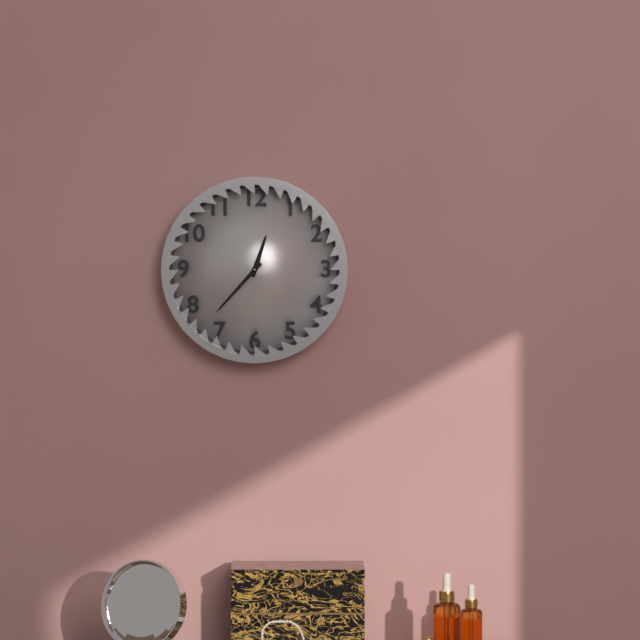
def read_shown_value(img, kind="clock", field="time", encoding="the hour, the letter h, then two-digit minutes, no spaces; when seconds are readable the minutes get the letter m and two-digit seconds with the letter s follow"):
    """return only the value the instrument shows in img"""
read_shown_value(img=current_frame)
12h37
